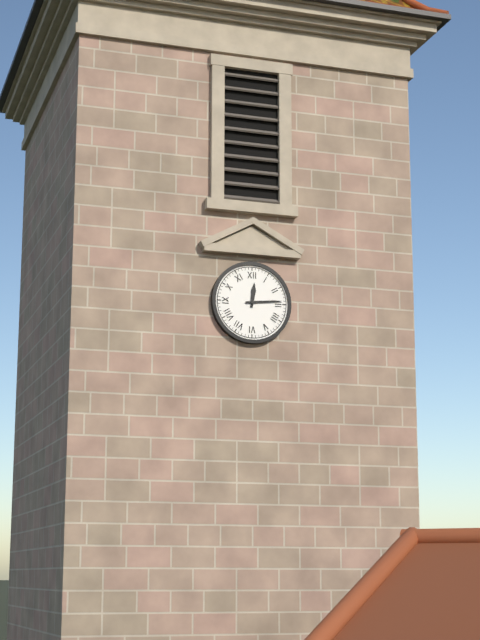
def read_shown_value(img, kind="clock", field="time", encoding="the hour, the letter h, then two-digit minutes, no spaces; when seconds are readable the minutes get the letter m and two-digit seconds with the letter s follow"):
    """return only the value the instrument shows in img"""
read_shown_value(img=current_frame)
12h14
